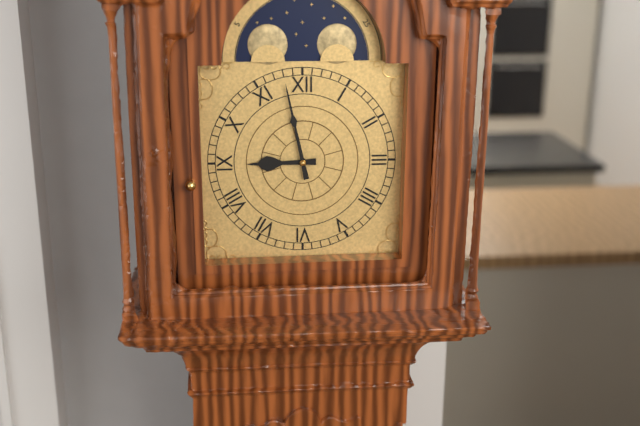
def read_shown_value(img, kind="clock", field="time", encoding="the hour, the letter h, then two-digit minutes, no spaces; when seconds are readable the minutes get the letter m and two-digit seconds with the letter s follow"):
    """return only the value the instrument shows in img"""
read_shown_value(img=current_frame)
8h58
